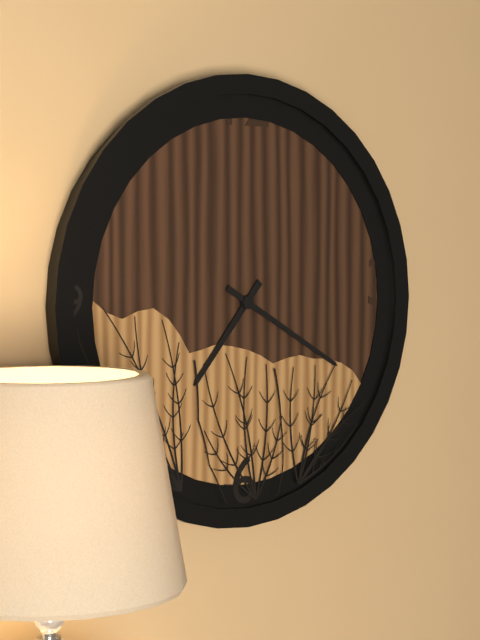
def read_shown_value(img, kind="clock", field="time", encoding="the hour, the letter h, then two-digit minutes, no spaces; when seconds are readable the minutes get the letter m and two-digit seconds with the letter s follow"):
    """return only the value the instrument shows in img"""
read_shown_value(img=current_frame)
7h20
